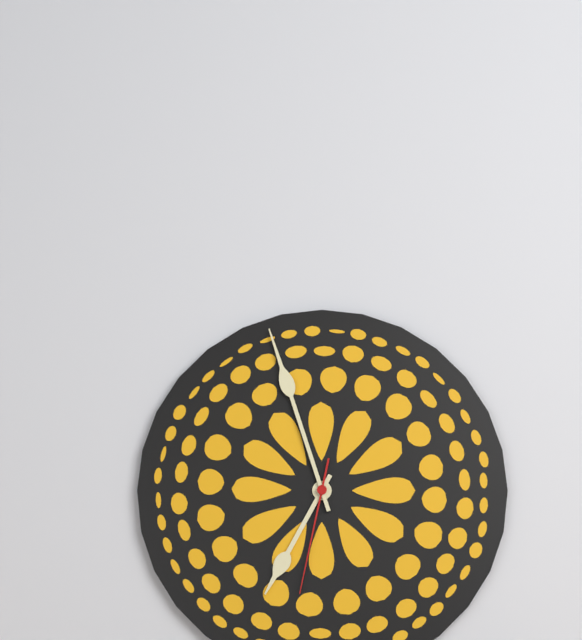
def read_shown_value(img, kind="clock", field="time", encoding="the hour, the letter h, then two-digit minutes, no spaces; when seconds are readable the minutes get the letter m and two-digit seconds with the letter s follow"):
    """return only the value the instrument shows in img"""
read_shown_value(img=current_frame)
6h57m32s
